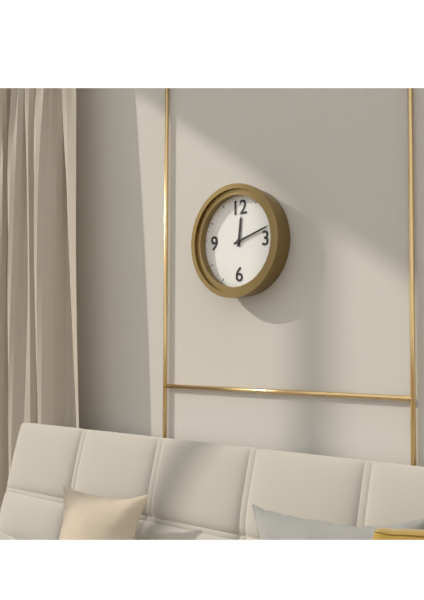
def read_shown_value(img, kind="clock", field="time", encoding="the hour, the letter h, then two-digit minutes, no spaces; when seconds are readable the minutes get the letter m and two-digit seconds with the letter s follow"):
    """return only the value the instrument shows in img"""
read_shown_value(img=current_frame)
12h12
